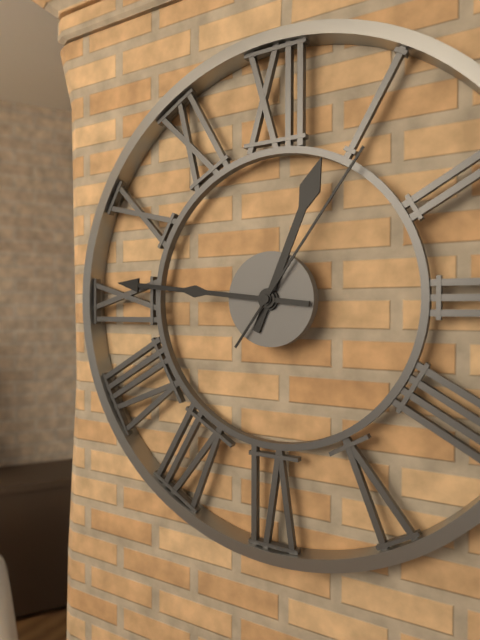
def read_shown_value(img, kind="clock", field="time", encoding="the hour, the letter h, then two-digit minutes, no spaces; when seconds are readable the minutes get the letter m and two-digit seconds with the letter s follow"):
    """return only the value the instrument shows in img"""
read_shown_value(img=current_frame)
12h46m06s
